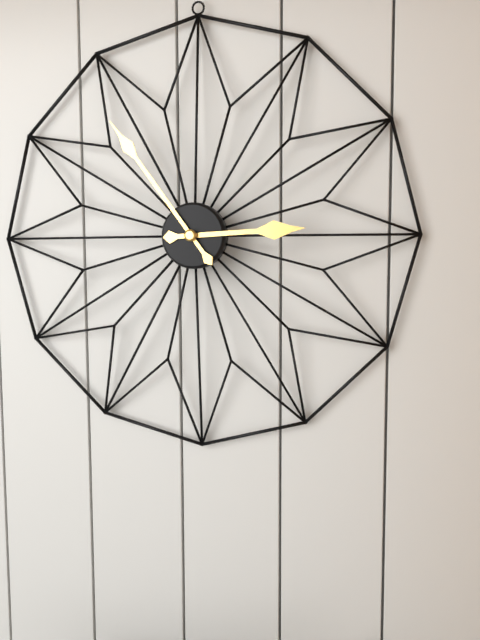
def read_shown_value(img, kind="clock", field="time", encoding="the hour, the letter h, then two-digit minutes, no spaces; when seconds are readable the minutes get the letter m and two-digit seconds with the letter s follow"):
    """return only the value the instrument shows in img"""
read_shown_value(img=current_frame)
2h54
